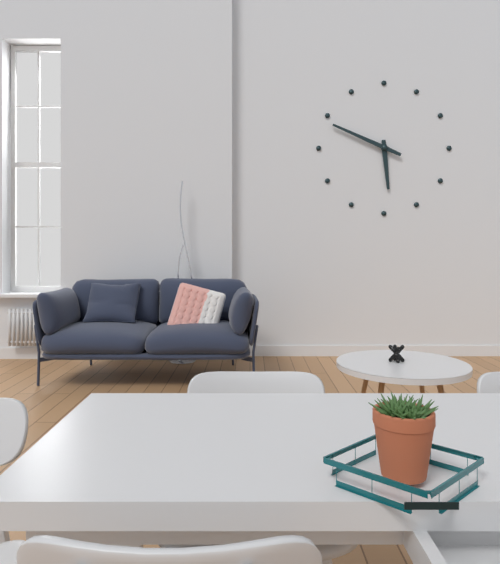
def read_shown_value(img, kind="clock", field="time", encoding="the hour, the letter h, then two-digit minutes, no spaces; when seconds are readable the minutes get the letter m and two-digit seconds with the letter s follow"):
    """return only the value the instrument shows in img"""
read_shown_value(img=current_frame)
5h49
